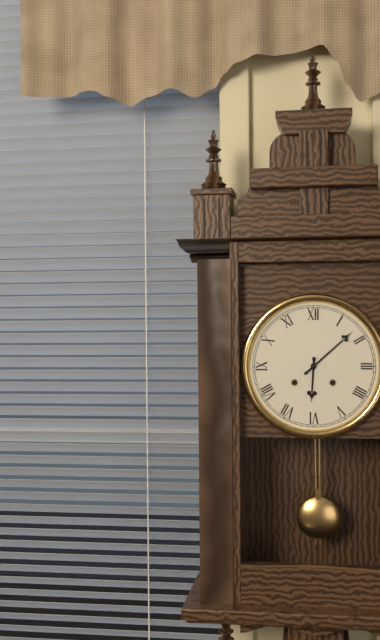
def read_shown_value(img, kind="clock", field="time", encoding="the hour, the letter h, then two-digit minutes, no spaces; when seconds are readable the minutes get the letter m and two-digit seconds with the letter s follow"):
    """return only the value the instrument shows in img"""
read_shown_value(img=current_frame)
6h08
